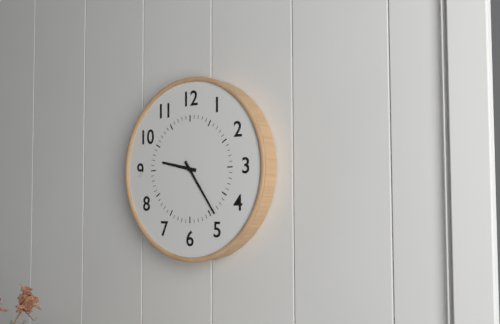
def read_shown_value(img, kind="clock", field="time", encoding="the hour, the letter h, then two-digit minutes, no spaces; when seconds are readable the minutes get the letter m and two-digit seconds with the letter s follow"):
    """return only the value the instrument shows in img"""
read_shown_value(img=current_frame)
9h24
